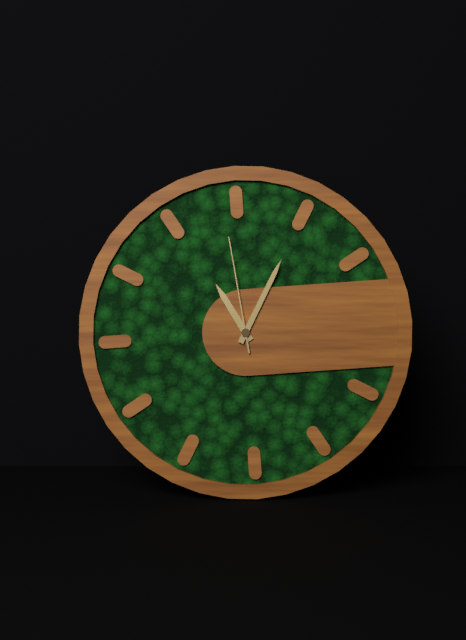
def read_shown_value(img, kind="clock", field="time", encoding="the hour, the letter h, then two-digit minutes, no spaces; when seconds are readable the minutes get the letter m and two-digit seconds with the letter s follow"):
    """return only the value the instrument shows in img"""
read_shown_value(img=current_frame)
11h05m59s
